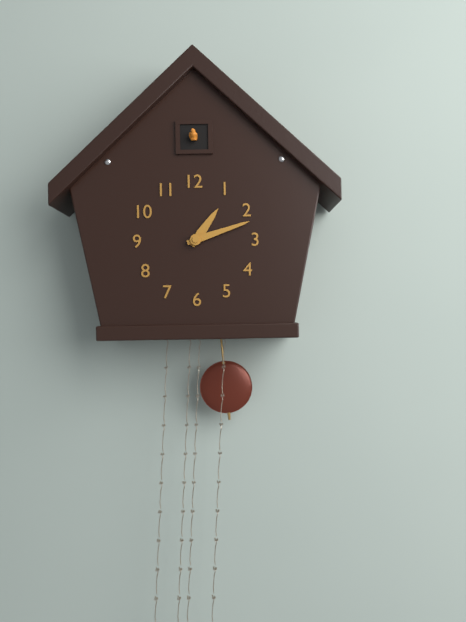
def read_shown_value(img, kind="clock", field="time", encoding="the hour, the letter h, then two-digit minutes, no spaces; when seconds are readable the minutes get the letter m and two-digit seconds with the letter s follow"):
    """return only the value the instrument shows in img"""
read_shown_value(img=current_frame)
1h12
